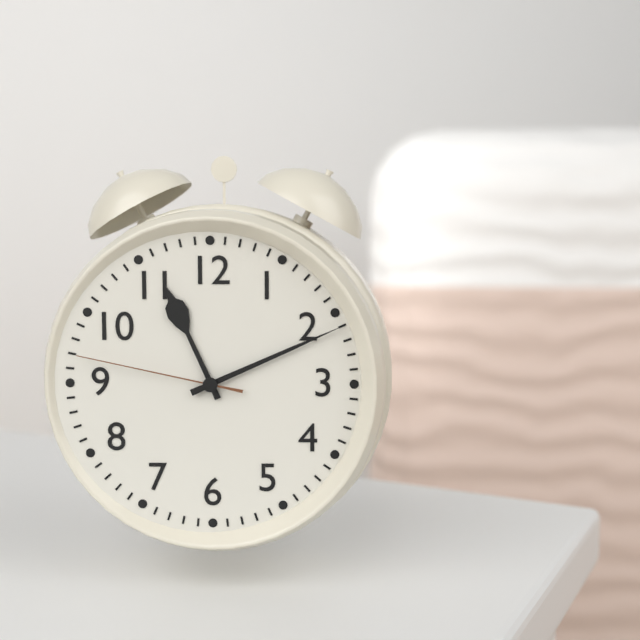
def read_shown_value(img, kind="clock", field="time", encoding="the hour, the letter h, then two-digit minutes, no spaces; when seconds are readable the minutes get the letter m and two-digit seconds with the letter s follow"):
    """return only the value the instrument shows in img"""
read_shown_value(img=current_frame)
11h11m47s
